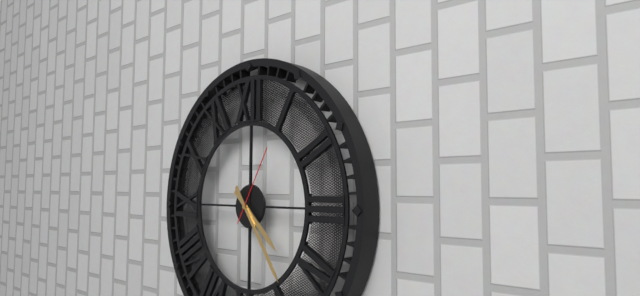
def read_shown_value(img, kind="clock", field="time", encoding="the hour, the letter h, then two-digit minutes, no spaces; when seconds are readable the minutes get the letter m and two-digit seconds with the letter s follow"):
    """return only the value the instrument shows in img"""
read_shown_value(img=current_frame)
4h24m05s
